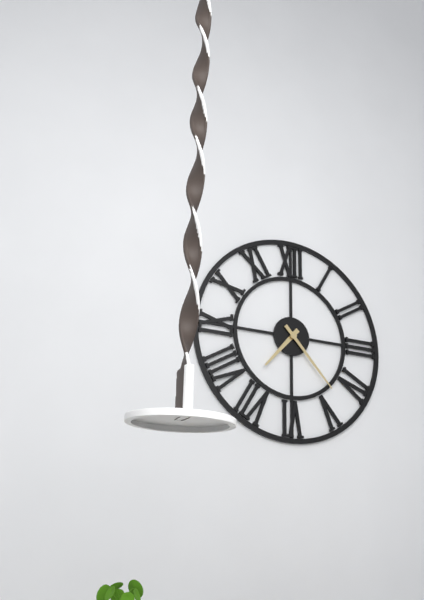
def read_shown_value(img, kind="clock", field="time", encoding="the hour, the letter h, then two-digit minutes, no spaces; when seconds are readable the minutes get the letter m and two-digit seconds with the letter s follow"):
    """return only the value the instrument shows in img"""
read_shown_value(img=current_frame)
7h23
